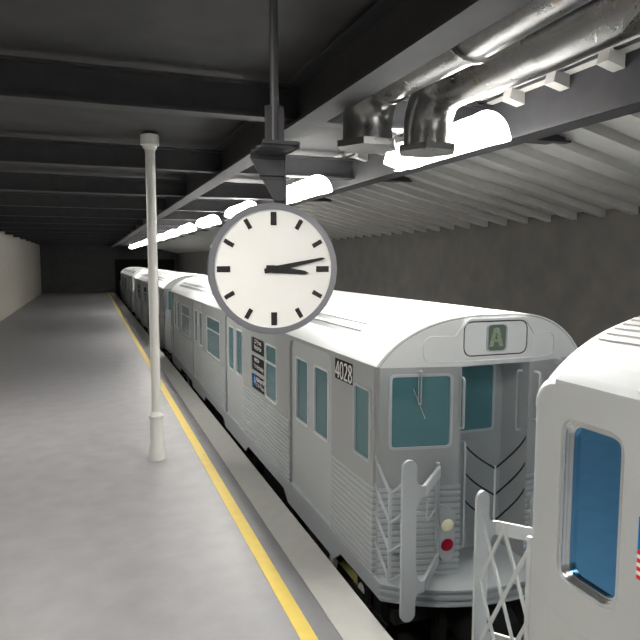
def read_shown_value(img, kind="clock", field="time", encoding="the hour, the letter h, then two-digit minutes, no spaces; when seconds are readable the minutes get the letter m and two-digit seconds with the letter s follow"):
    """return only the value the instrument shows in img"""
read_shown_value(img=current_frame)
3h13
